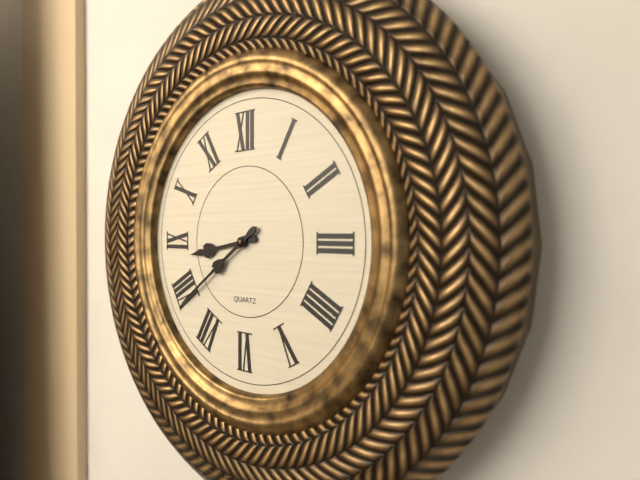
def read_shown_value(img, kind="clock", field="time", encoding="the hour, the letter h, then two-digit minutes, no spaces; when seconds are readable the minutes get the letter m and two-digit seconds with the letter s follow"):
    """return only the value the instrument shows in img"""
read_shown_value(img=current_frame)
8h39
